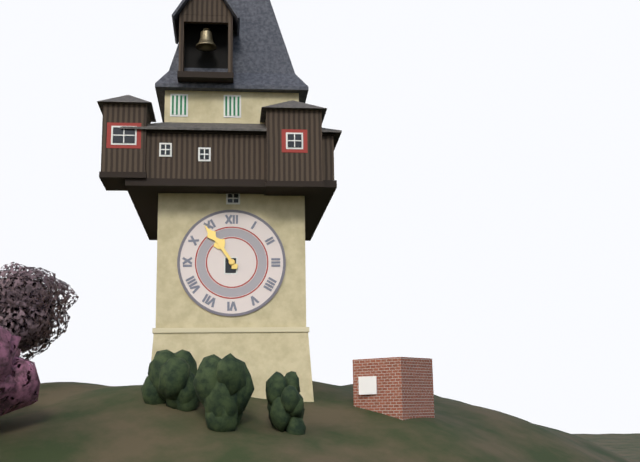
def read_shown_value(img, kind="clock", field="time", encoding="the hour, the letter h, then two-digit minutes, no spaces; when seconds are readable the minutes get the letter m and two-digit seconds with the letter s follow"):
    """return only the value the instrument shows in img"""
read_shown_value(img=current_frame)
10h54
